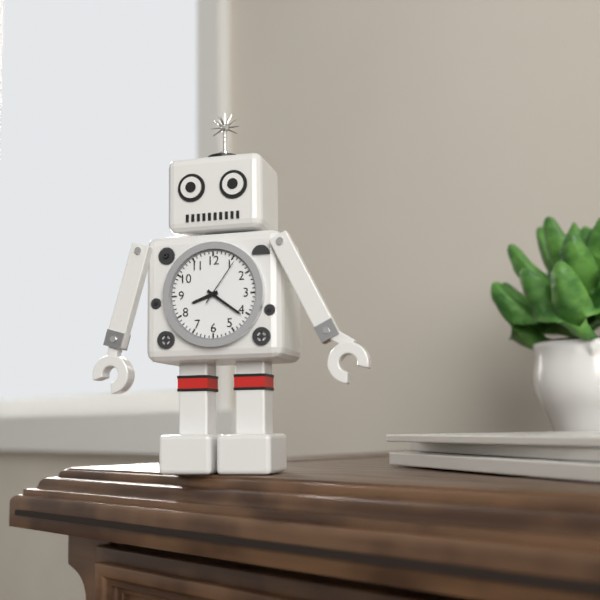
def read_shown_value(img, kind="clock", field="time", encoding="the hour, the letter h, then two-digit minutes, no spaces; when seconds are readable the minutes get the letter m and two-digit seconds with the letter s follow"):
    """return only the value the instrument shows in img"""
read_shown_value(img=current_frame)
8h21m06s
